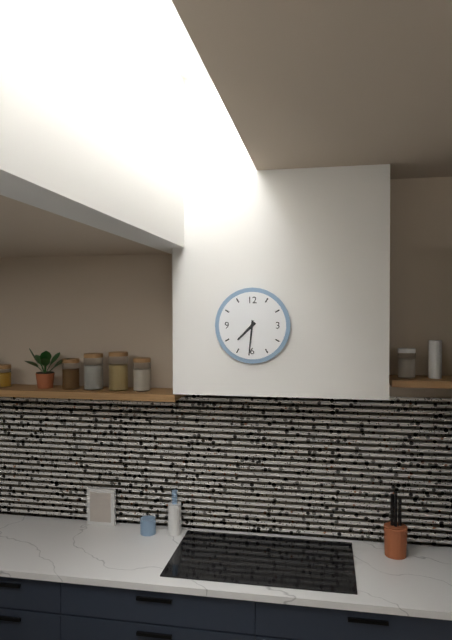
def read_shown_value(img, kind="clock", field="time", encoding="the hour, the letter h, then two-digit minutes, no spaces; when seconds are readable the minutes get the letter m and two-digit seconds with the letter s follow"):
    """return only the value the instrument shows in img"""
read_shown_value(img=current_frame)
7h31
